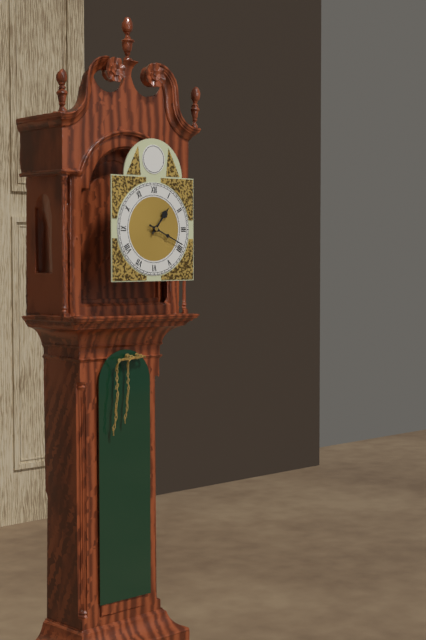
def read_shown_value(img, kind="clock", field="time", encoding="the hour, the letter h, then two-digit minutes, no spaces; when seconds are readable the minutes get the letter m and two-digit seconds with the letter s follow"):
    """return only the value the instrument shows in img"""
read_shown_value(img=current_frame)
1h19
